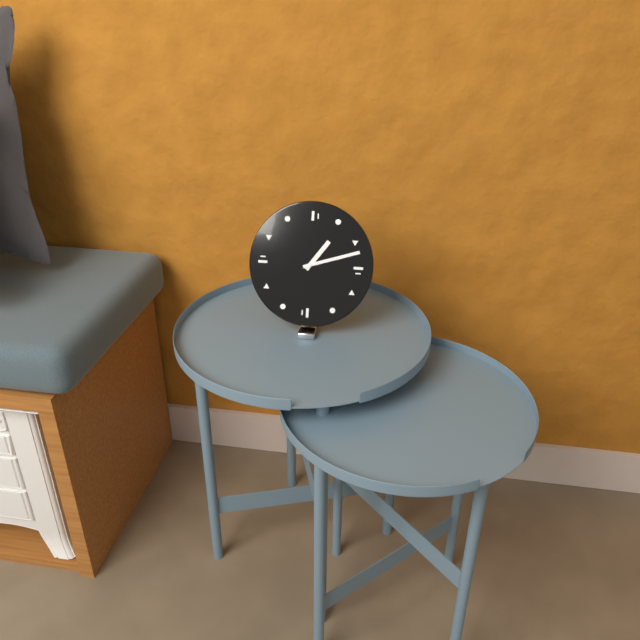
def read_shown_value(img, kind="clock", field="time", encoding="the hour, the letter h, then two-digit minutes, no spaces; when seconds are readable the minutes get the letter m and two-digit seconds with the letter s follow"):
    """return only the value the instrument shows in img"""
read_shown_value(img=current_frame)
1h12
